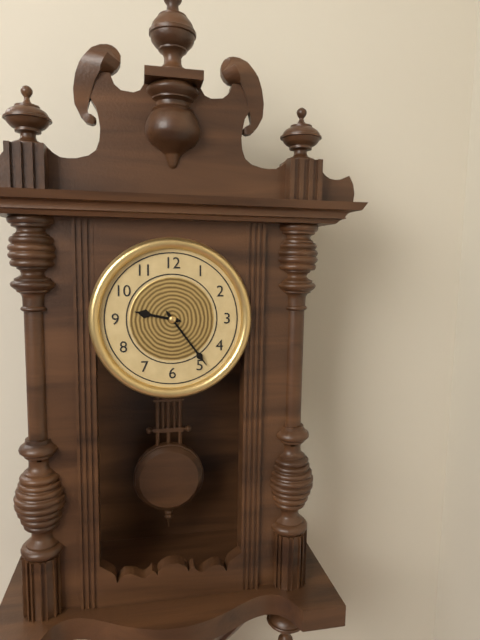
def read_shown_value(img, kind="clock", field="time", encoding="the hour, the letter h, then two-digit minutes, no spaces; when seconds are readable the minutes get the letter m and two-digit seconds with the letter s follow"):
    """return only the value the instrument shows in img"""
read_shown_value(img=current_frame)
9h24
